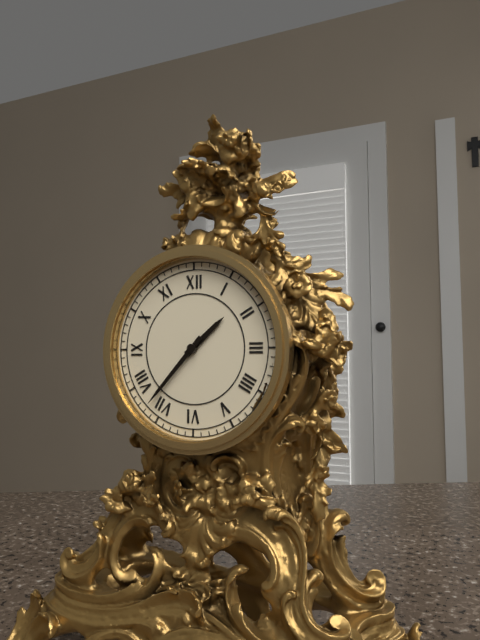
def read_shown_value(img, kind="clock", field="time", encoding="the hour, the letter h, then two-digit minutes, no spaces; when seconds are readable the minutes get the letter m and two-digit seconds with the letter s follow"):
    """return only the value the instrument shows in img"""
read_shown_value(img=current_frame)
1h37
